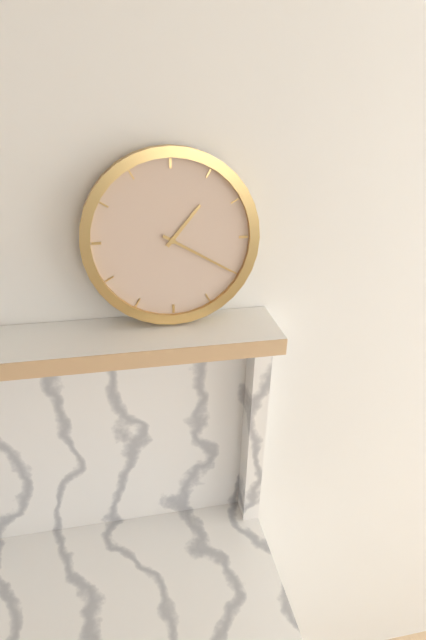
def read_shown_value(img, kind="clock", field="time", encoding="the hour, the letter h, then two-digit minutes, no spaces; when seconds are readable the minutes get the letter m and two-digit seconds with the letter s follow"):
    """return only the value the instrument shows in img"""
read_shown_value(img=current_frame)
1h20
